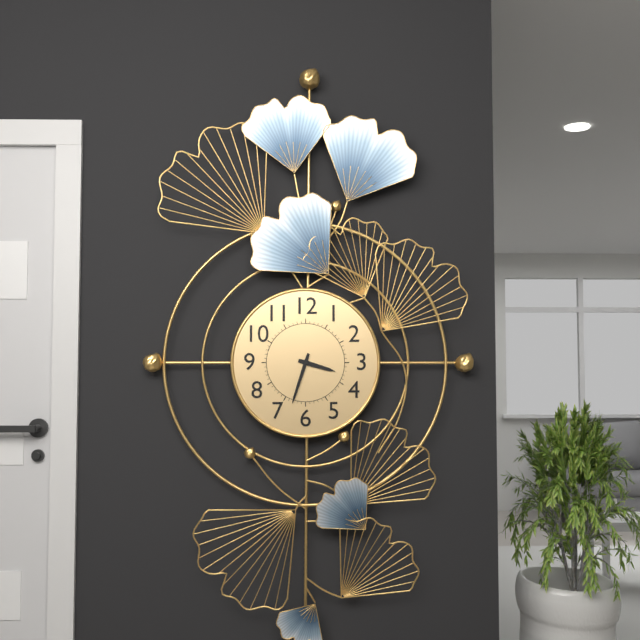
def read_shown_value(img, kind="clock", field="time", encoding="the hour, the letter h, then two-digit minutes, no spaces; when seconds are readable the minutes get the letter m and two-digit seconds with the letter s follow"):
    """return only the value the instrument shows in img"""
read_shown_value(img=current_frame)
3h33
